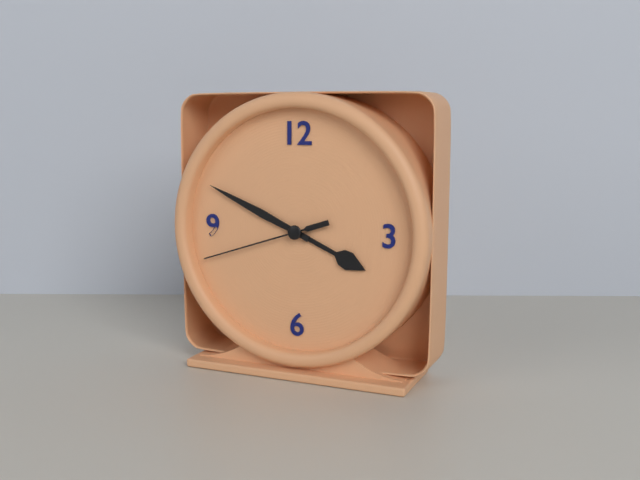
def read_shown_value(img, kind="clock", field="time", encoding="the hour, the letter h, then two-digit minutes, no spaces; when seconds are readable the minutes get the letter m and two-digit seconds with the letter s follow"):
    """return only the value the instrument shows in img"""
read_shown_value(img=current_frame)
3h49m42s
